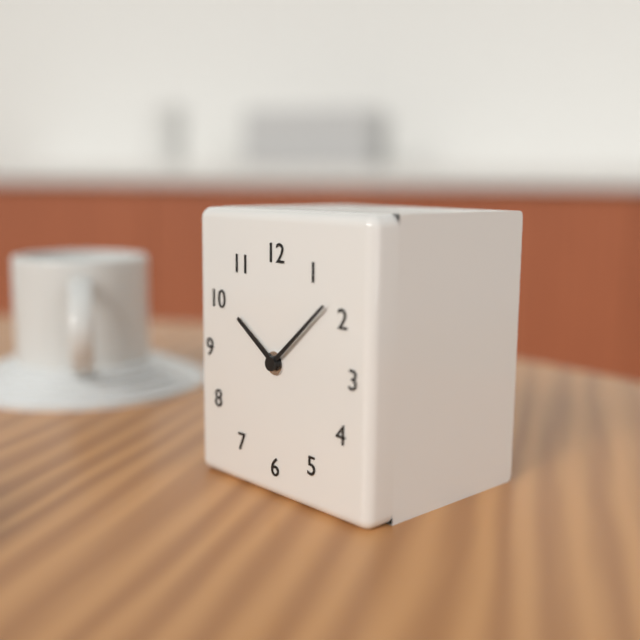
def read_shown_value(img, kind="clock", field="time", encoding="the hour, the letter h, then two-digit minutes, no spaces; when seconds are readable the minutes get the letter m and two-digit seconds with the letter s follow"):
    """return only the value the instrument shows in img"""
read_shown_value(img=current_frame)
10h08
